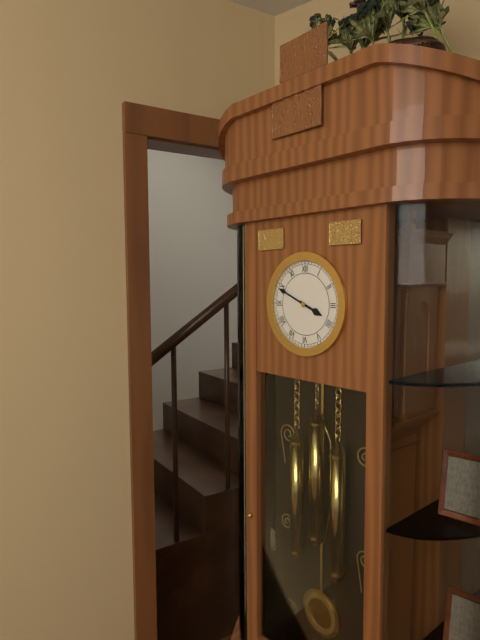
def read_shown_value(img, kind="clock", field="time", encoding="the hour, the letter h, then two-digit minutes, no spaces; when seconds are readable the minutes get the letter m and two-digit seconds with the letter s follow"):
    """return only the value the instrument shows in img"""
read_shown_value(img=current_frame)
3h49
